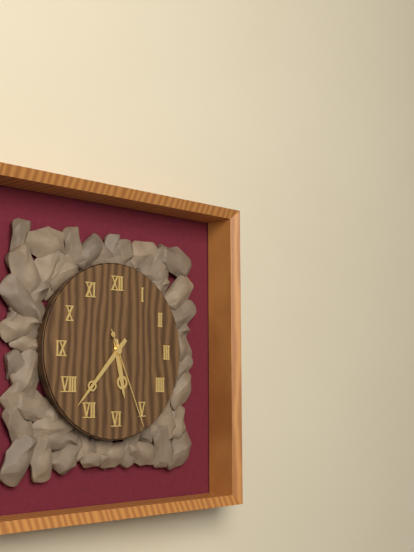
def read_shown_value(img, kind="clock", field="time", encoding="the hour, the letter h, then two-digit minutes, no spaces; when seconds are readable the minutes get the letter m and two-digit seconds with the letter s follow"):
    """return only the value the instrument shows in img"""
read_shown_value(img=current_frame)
5h37m26s
